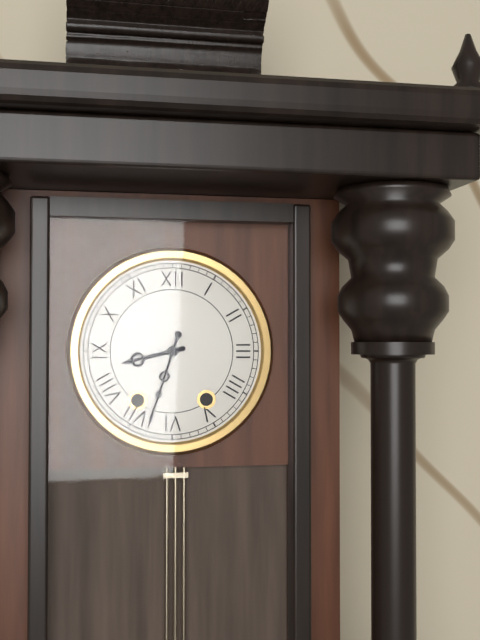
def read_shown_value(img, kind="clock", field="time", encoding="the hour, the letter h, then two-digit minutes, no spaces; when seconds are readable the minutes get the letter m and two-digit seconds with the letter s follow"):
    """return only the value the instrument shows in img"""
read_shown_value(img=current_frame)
8h33
